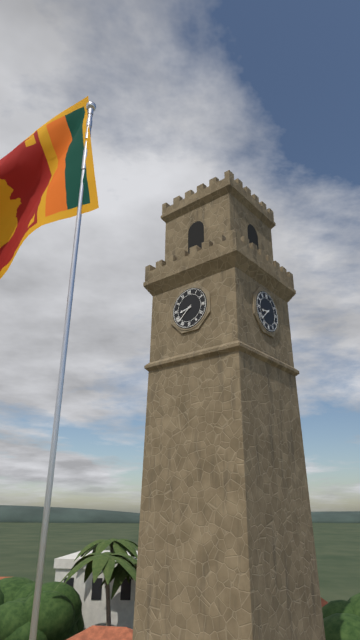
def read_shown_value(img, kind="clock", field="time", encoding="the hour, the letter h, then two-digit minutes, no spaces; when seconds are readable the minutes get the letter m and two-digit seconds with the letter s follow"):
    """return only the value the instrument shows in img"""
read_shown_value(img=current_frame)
8h38
